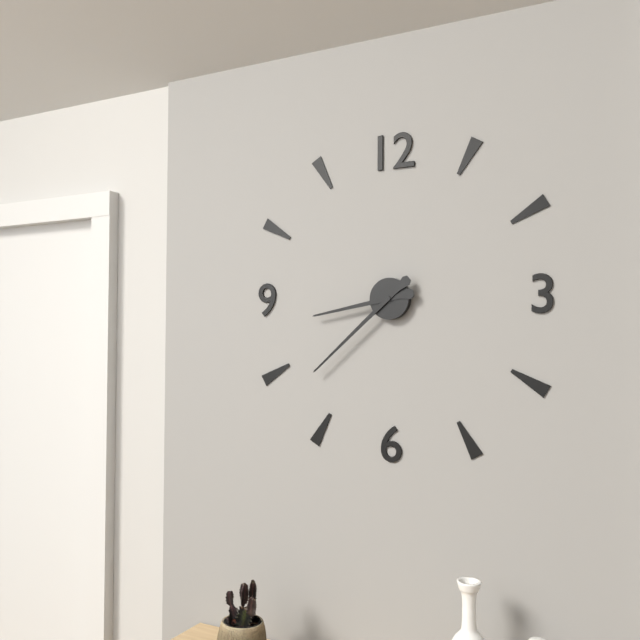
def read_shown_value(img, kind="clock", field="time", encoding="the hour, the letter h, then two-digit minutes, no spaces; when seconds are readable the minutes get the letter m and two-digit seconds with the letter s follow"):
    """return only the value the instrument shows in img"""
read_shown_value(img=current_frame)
8h38
